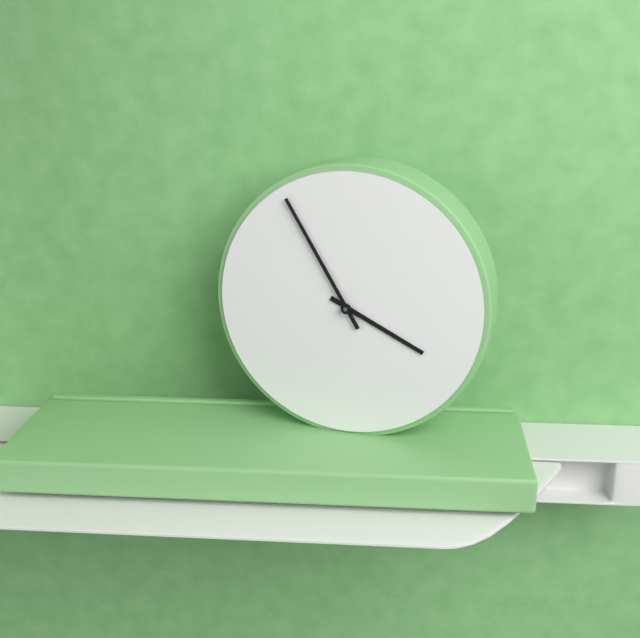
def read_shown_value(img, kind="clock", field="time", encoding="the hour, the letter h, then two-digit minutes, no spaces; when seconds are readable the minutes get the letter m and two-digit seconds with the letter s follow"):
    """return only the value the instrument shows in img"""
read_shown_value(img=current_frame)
3h55
